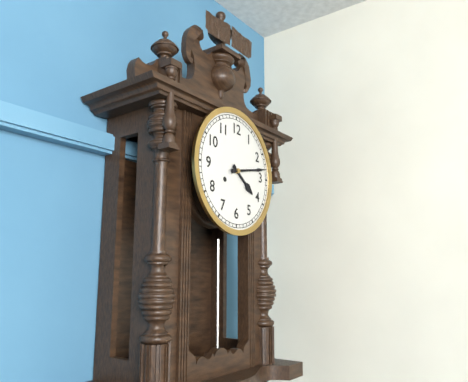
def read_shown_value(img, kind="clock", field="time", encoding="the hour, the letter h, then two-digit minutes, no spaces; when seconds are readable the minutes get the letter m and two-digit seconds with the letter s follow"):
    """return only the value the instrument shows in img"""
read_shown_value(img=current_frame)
4h13
